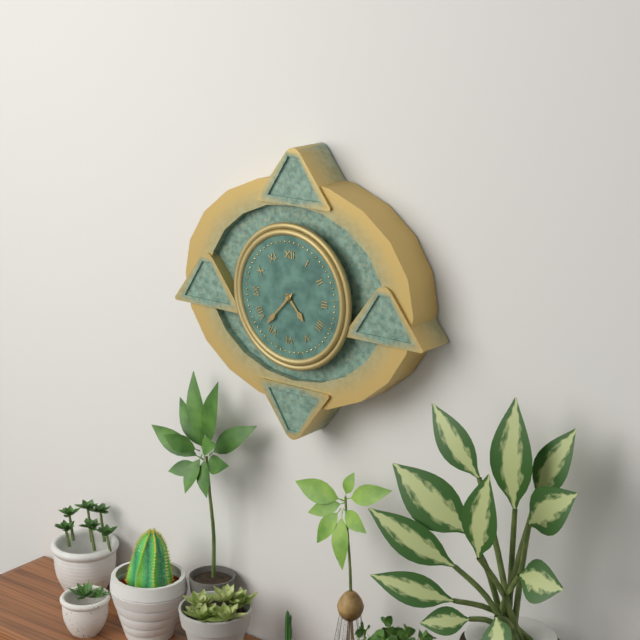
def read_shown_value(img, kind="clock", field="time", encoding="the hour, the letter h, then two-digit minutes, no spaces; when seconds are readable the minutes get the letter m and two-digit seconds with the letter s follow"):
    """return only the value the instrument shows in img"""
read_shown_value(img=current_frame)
4h37
